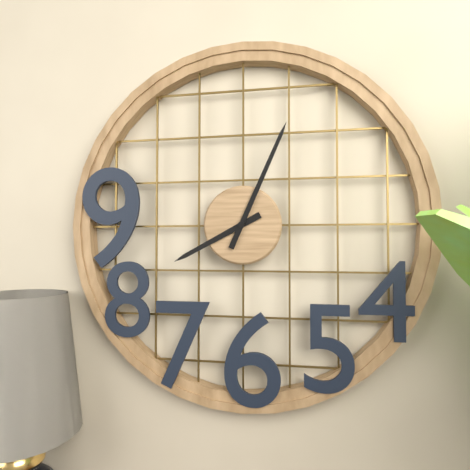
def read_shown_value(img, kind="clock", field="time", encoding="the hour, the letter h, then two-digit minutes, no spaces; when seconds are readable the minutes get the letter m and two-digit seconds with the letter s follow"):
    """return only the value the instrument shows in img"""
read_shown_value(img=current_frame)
8h04
